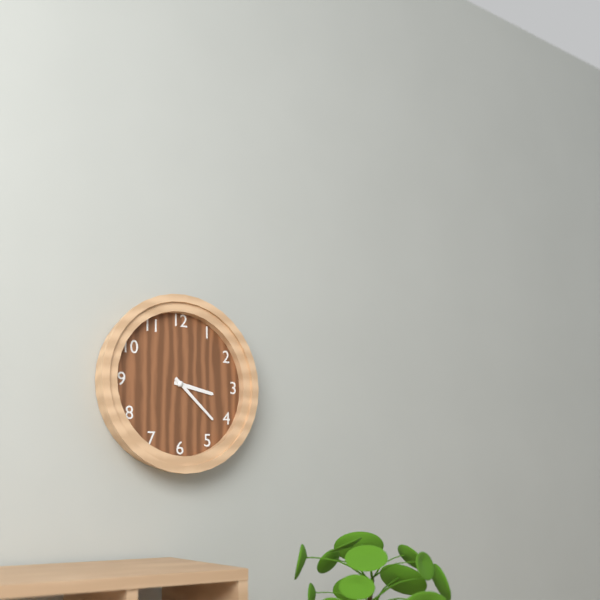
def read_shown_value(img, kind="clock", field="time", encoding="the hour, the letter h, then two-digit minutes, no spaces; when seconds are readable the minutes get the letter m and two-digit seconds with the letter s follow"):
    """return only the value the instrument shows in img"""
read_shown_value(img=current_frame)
3h22
